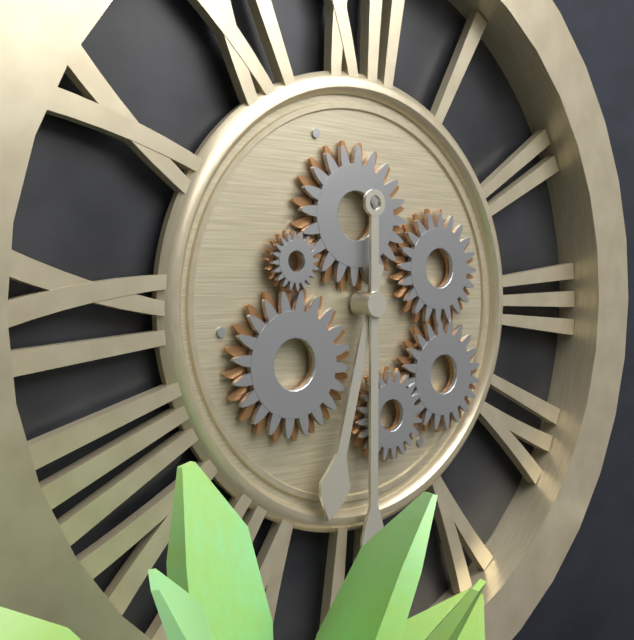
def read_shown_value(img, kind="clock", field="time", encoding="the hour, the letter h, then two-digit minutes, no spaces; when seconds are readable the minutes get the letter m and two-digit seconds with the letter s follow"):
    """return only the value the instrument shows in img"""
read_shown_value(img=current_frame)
6h30
